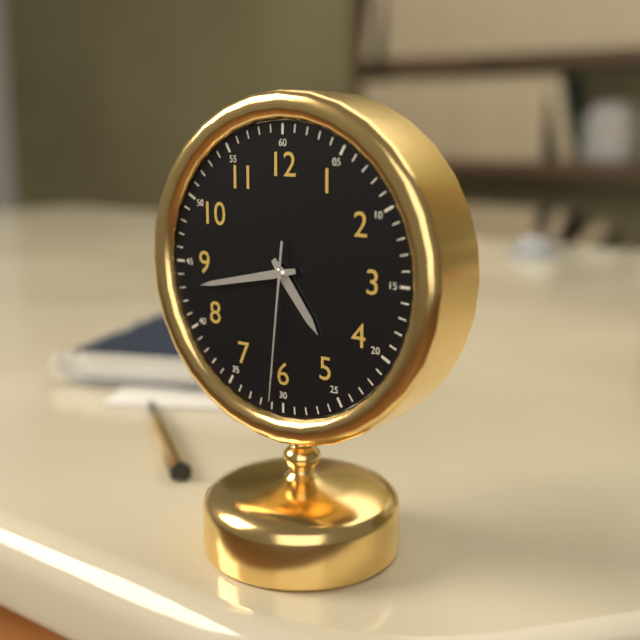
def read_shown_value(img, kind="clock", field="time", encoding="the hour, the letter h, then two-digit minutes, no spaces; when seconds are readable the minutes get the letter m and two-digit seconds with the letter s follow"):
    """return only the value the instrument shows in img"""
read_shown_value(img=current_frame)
4h43m31s
